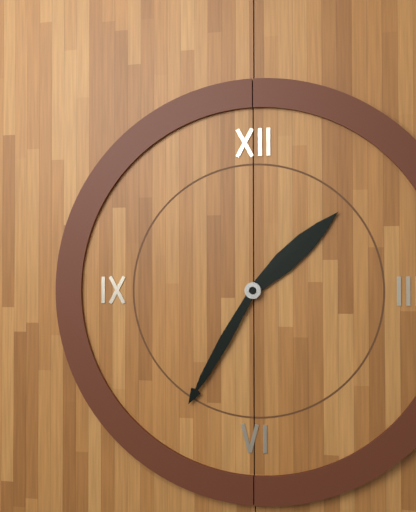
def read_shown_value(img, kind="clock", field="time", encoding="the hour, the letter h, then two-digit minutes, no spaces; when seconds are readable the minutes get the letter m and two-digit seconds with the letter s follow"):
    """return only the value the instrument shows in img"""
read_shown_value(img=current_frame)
1h35
